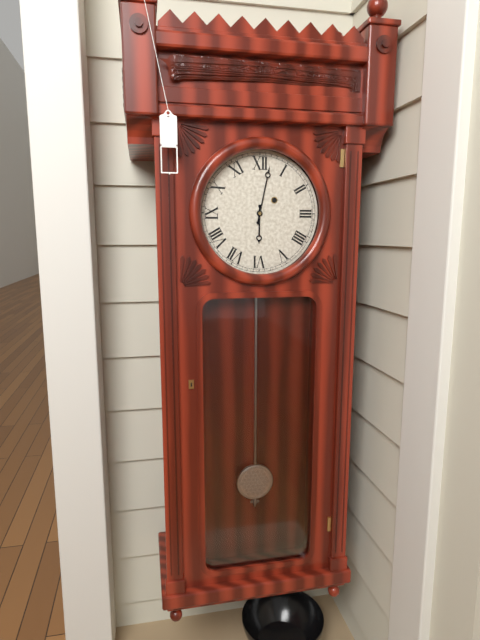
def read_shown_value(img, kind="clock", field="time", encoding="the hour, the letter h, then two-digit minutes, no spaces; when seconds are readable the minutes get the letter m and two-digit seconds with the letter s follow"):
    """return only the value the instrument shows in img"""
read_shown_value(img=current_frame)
6h02
